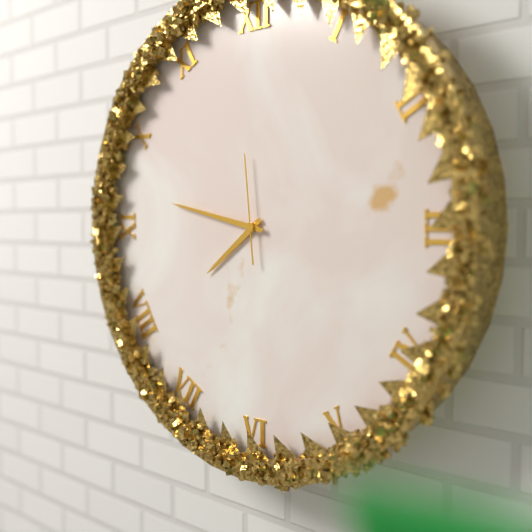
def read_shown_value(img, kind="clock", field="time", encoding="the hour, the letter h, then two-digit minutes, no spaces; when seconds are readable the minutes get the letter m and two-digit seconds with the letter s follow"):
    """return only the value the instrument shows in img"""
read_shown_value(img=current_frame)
7h47m59s
